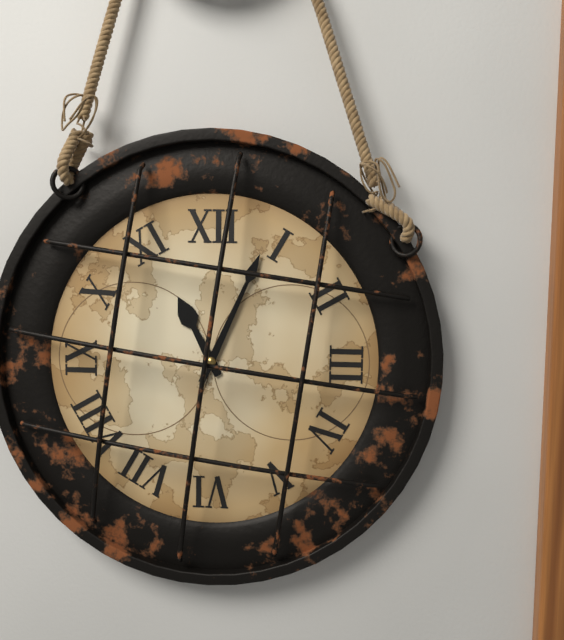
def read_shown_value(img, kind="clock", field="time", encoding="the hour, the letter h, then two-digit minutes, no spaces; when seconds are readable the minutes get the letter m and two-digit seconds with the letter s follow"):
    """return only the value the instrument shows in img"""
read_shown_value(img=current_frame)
11h04
